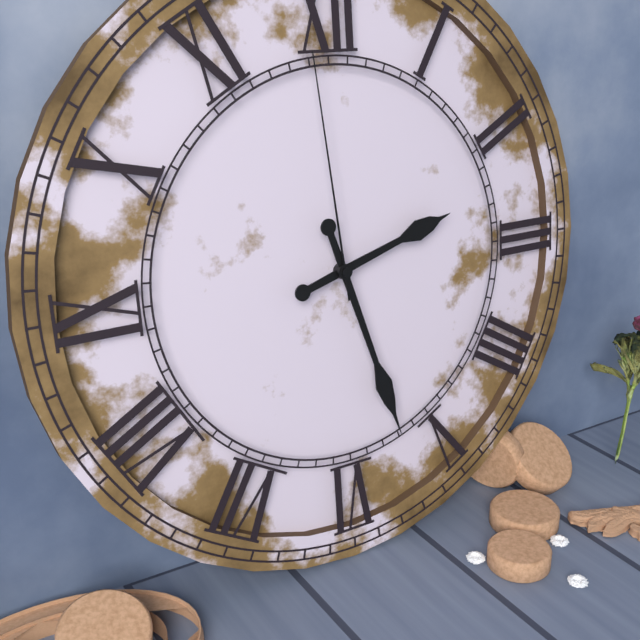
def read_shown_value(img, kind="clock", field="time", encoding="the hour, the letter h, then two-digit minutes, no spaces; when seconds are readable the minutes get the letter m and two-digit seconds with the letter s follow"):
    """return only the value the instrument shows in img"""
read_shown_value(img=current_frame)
2h27m59s
